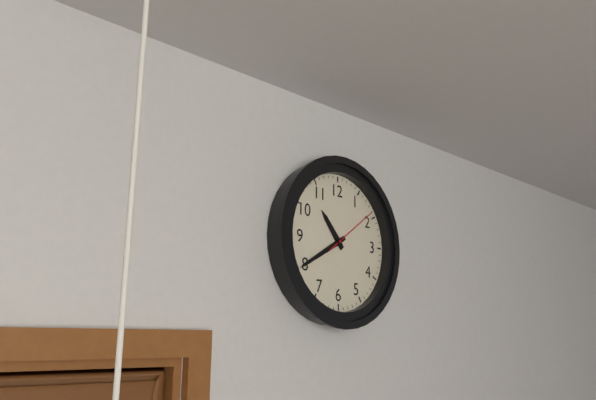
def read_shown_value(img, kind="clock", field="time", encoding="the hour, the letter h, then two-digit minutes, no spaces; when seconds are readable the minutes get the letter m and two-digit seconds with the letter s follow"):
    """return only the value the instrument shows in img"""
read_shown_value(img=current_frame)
10h40m09s
